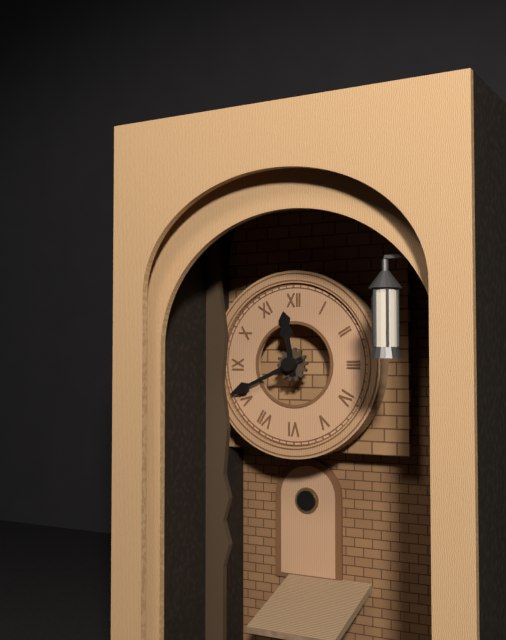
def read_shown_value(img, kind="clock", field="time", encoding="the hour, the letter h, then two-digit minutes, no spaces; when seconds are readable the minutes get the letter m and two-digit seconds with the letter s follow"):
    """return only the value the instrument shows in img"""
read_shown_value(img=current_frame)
11h41
